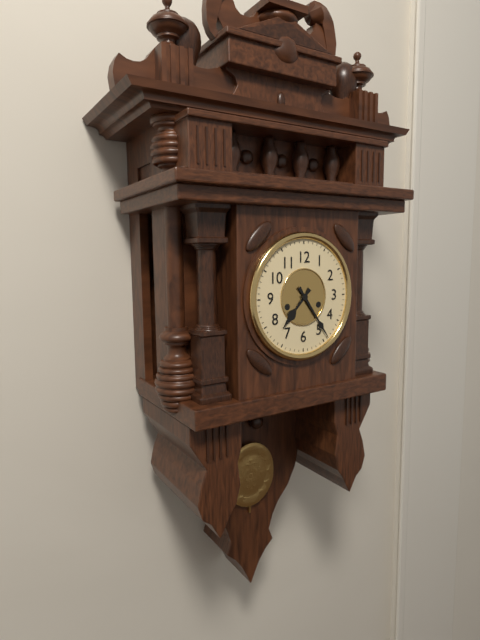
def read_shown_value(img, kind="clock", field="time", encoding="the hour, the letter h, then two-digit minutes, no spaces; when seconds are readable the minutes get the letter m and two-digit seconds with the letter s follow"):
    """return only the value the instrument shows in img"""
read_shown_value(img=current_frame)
7h24
